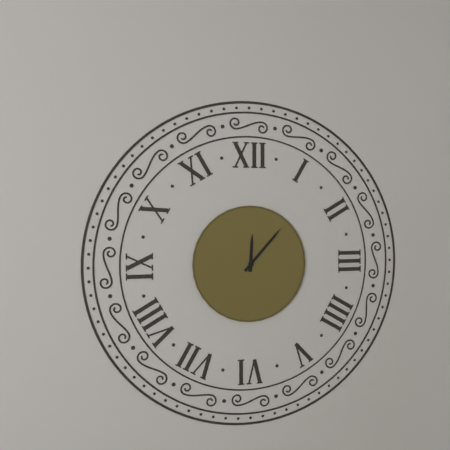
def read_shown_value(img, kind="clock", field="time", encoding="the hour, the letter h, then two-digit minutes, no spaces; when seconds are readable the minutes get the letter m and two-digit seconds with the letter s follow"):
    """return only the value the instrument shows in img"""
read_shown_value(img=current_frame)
12h07
